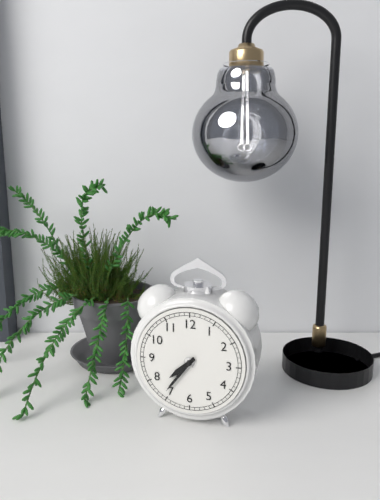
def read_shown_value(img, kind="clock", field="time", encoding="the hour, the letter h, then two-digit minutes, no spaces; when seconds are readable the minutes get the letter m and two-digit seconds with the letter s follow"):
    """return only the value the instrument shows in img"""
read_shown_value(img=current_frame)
7h36
